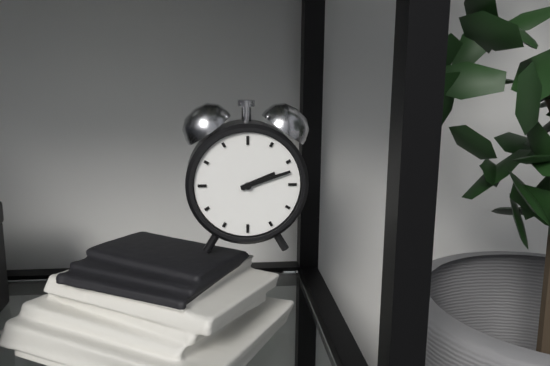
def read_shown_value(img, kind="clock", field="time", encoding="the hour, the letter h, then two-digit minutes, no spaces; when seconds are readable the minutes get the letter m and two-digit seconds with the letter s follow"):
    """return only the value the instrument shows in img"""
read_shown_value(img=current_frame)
2h12
